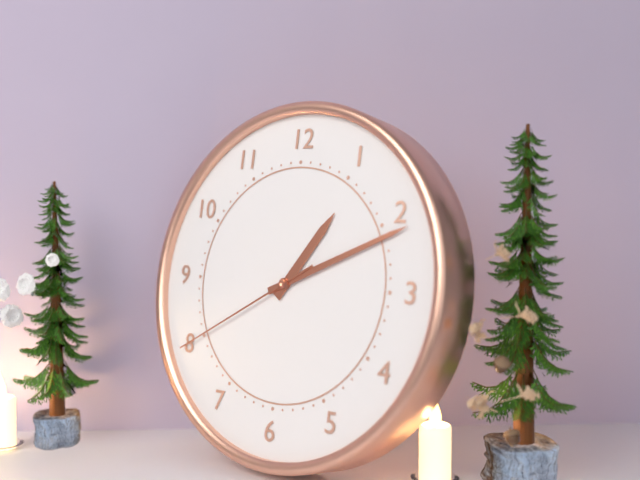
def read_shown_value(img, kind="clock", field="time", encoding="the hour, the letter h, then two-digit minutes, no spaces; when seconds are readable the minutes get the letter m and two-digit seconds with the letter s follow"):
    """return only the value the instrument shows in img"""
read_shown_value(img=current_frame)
1h11m40s
